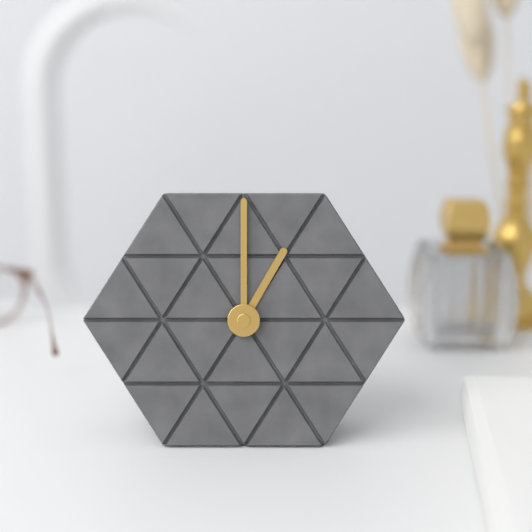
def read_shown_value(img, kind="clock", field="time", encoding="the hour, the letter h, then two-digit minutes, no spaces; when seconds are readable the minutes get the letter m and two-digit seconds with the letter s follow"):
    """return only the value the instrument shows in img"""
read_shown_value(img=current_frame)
1h00
